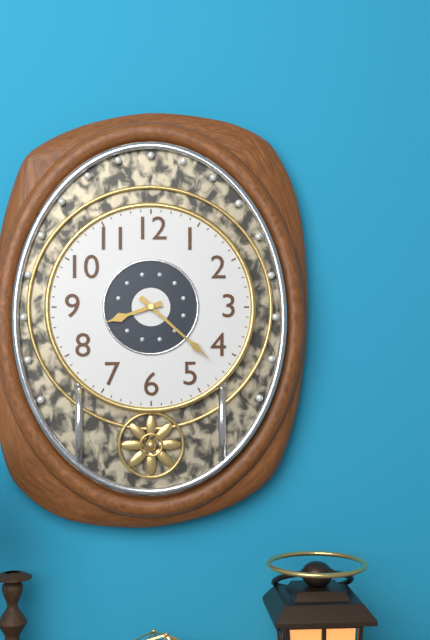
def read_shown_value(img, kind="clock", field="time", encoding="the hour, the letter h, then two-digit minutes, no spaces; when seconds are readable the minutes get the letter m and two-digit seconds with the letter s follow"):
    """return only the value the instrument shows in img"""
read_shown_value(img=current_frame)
8h22
